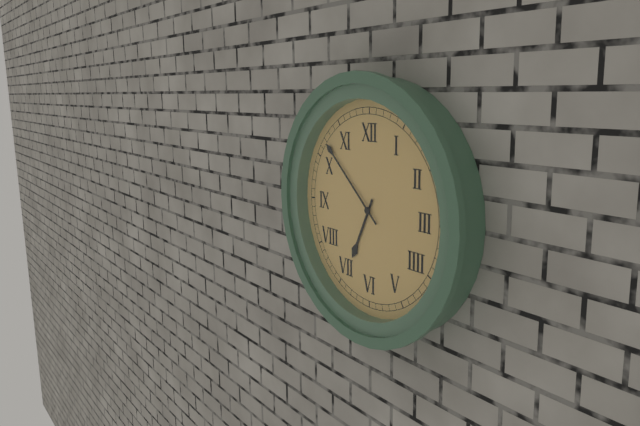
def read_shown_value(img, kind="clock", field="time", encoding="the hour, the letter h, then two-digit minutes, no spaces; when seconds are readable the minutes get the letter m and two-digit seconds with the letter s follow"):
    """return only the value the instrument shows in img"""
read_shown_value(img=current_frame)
6h52
